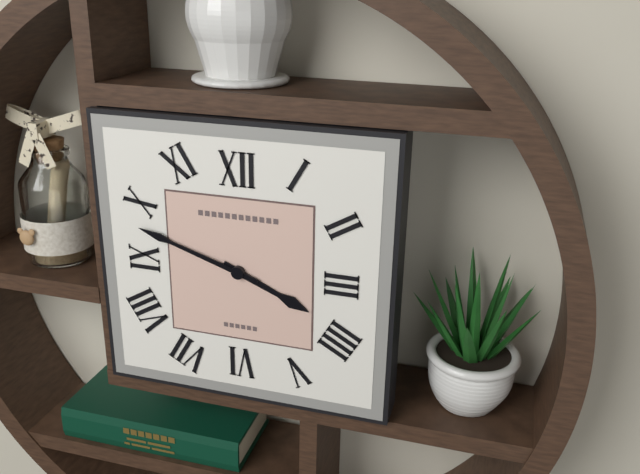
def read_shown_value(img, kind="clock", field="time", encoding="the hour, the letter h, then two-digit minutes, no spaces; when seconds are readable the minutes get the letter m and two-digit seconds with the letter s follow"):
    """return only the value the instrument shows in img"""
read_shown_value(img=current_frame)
3h48
